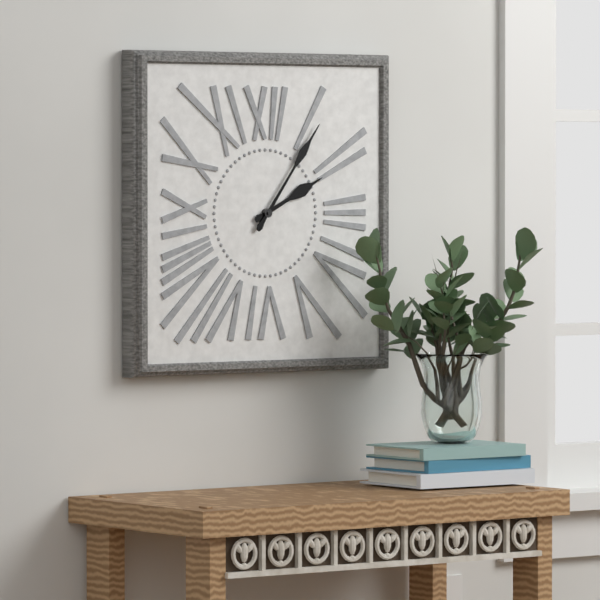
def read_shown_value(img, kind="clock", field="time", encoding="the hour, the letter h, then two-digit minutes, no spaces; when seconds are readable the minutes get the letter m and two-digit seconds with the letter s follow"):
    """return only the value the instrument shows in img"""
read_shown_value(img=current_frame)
2h06
